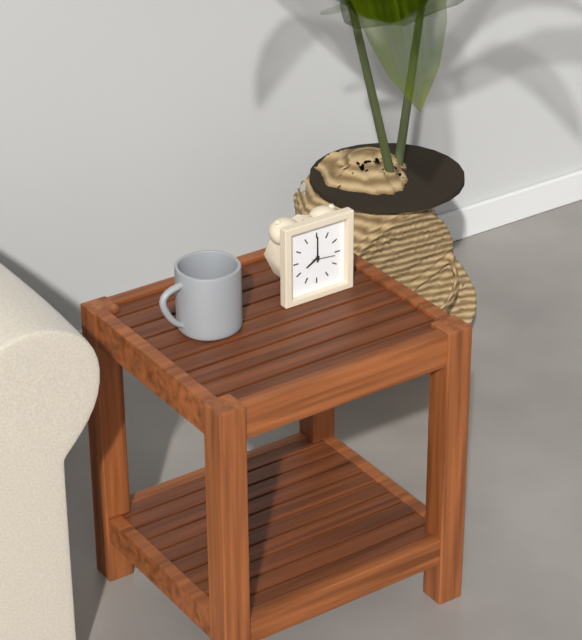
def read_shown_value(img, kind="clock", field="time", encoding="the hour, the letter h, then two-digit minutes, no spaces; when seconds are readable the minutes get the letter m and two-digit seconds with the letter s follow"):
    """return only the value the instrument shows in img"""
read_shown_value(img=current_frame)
8h00
